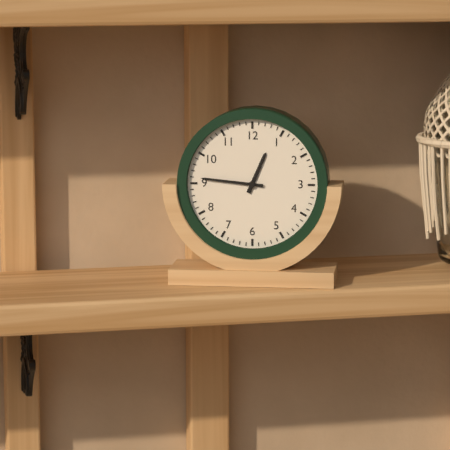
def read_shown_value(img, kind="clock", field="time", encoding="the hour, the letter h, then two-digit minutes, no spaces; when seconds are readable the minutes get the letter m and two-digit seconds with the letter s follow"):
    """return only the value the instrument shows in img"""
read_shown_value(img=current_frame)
12h46
